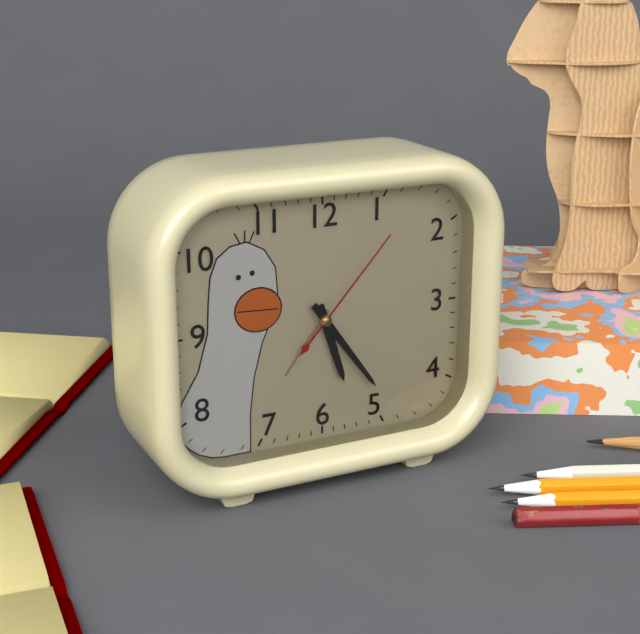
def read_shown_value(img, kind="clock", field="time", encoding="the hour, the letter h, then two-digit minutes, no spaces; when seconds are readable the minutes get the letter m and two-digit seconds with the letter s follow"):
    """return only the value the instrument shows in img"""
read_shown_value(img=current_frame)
5h24m07s
